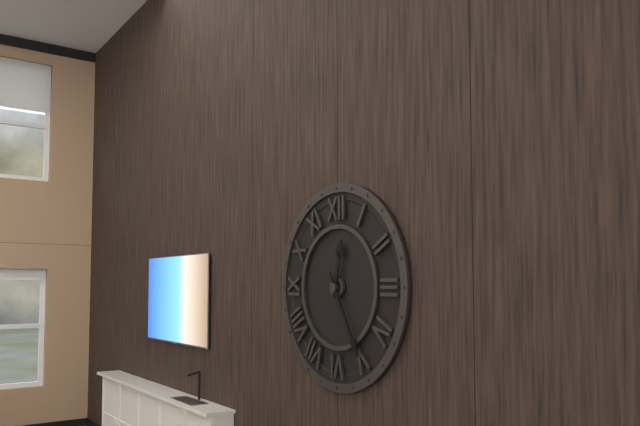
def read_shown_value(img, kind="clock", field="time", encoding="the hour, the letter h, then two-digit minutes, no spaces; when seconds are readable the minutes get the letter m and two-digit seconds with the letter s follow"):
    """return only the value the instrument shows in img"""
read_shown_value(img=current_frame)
12h25
